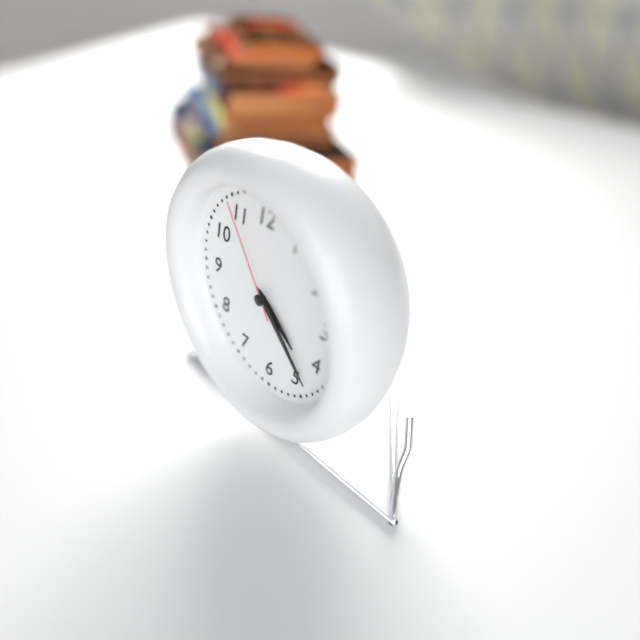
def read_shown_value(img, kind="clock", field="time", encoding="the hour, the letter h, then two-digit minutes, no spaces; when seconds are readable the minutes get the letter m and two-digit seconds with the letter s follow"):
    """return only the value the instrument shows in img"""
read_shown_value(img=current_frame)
4h23m55s
